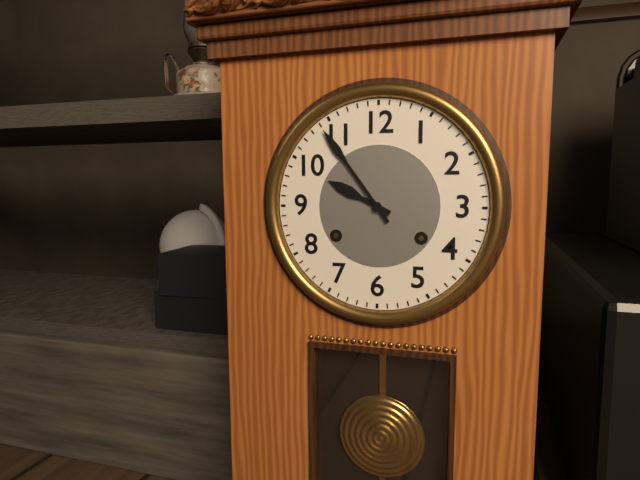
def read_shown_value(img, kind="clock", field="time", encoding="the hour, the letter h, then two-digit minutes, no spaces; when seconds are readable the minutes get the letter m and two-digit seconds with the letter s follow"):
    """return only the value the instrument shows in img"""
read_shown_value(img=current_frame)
9h54
